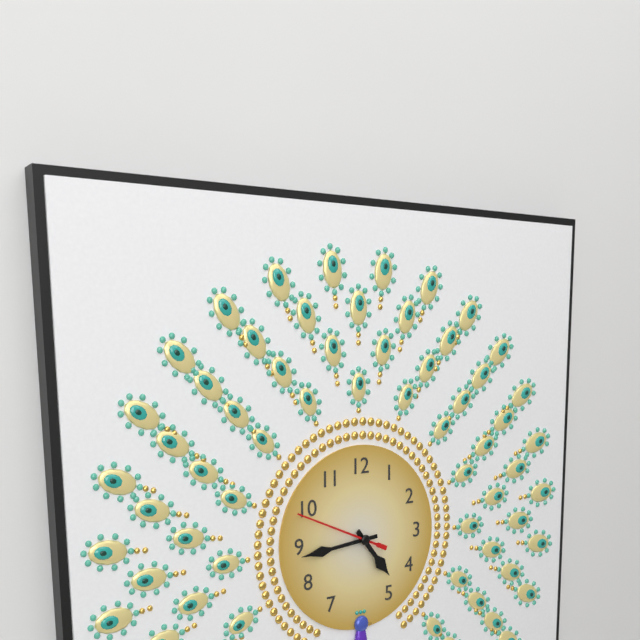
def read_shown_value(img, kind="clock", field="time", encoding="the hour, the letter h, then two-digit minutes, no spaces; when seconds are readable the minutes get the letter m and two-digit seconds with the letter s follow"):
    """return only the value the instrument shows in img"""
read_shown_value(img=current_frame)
4h44m49s
